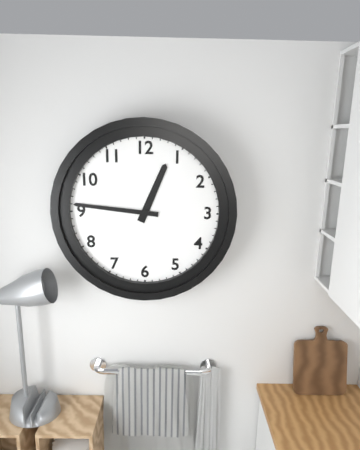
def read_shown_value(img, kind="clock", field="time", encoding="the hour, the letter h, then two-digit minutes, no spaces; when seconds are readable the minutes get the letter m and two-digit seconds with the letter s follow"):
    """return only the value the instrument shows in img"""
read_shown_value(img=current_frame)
12h46
